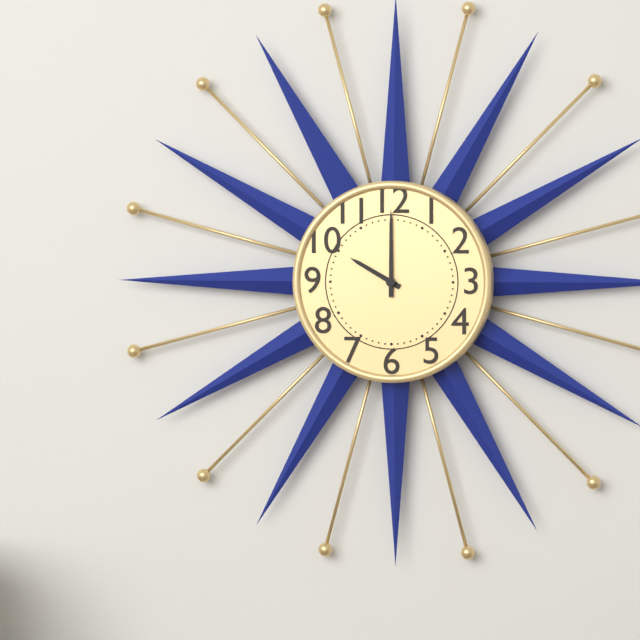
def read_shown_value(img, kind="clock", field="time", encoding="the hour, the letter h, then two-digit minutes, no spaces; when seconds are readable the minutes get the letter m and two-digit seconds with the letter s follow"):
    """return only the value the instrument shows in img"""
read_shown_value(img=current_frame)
10h00
